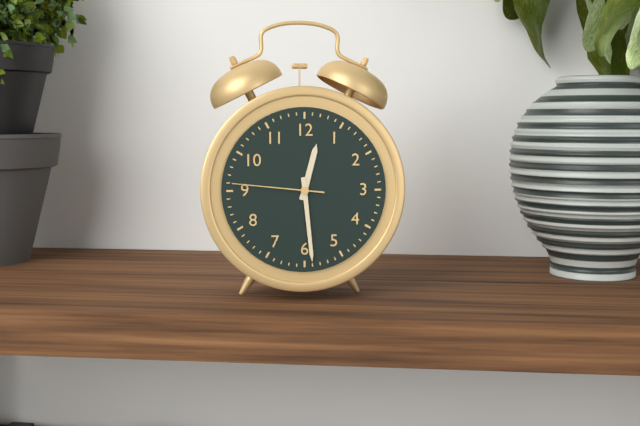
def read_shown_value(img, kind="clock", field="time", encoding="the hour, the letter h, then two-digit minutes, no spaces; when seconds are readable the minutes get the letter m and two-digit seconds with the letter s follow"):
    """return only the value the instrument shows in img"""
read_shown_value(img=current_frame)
12h29m46s
